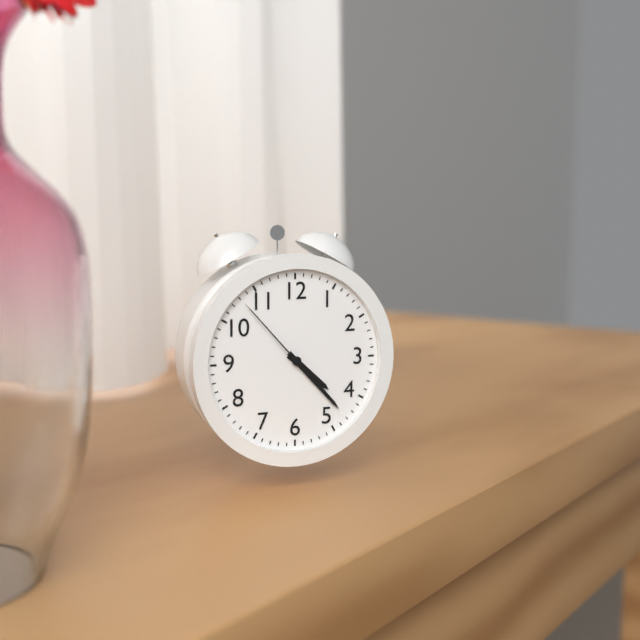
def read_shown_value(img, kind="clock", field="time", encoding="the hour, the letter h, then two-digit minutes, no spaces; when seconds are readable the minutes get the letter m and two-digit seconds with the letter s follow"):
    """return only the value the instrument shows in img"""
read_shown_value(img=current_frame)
4h23m53s
